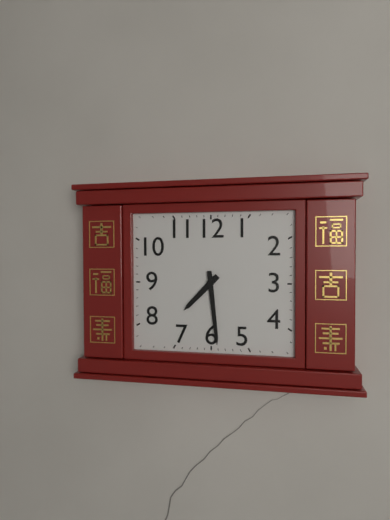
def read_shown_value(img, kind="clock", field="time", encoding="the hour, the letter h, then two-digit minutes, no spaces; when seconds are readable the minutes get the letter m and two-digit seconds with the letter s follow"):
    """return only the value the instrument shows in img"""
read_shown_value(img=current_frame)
7h29
